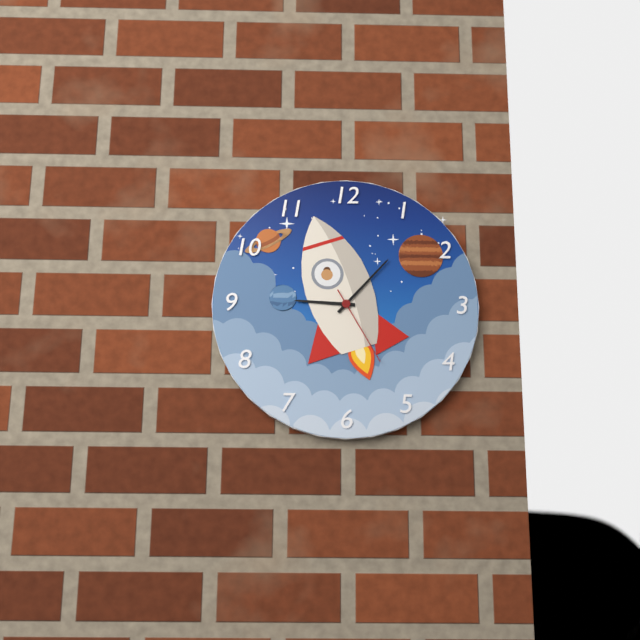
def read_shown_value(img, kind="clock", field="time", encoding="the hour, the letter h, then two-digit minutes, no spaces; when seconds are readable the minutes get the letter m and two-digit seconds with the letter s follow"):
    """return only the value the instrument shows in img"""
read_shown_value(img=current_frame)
9h07m25s
